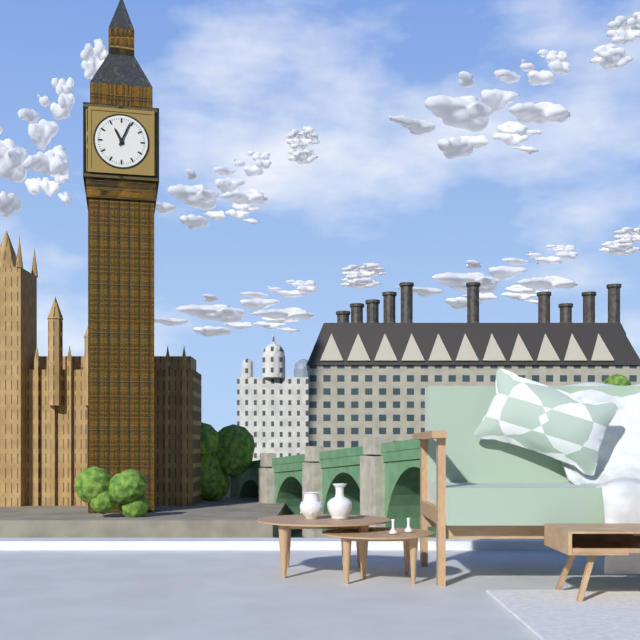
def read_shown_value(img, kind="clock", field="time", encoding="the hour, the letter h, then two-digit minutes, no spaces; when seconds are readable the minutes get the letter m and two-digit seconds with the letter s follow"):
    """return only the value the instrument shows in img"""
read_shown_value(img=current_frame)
11h04
